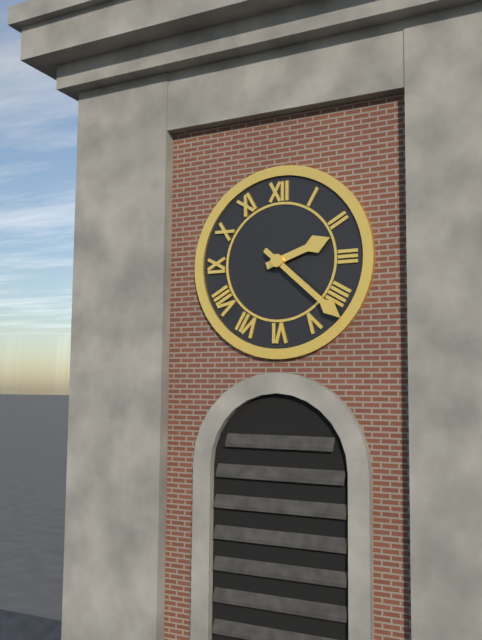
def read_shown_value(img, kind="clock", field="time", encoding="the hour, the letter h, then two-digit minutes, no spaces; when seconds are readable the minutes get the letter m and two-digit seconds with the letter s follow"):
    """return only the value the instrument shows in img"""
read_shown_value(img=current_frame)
2h22
